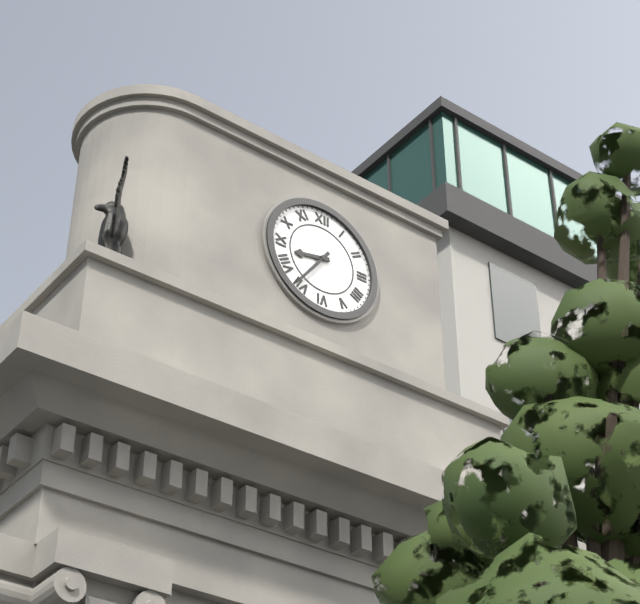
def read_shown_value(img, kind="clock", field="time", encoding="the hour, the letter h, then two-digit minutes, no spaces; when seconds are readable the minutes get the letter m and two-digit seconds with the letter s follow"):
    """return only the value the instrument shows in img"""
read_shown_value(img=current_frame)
8h36
